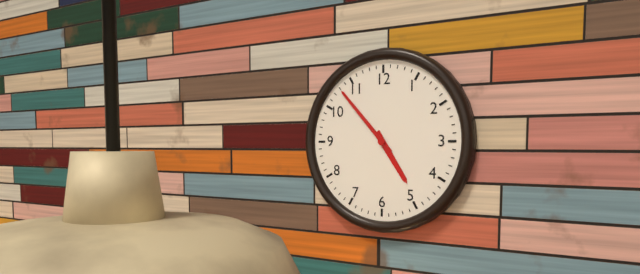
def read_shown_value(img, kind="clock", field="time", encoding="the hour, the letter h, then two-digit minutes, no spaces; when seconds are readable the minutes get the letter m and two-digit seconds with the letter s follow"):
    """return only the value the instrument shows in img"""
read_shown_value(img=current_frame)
4h53
